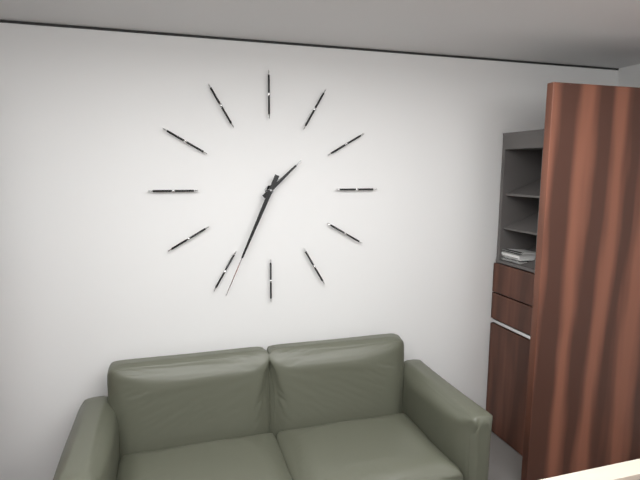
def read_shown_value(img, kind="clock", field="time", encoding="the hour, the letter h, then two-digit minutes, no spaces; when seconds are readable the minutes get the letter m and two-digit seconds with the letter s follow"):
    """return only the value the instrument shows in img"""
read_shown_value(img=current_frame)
1h34
